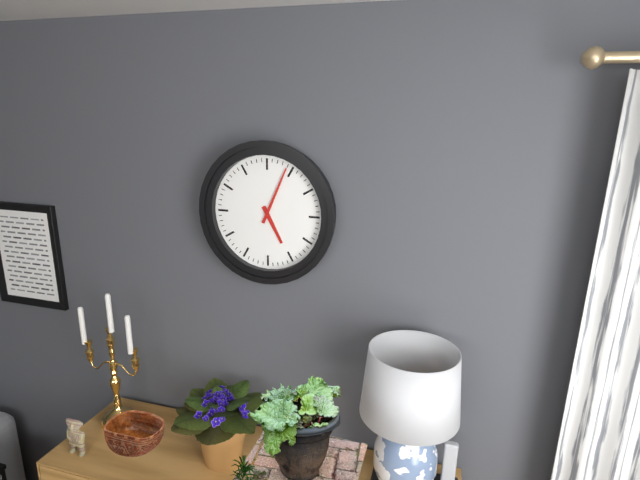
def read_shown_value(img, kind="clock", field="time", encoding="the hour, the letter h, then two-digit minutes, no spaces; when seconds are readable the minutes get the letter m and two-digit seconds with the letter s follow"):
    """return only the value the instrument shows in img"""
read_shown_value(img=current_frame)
5h04
